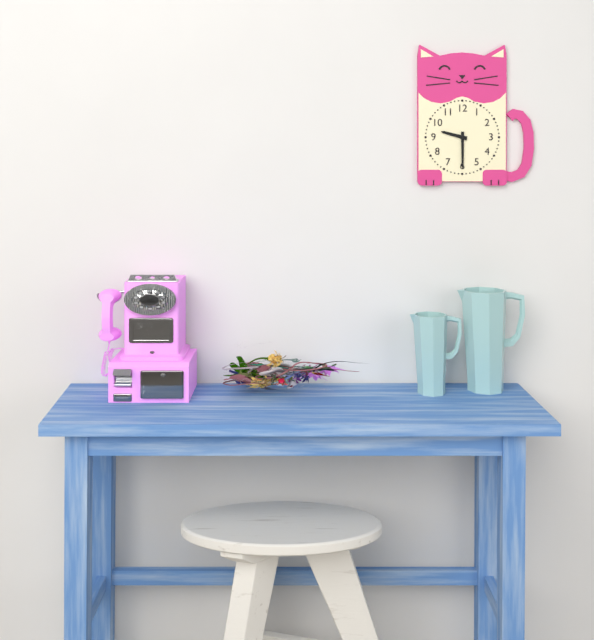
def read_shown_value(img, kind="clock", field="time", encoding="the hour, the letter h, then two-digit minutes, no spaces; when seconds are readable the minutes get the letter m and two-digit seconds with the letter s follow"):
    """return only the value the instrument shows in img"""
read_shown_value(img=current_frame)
9h30
